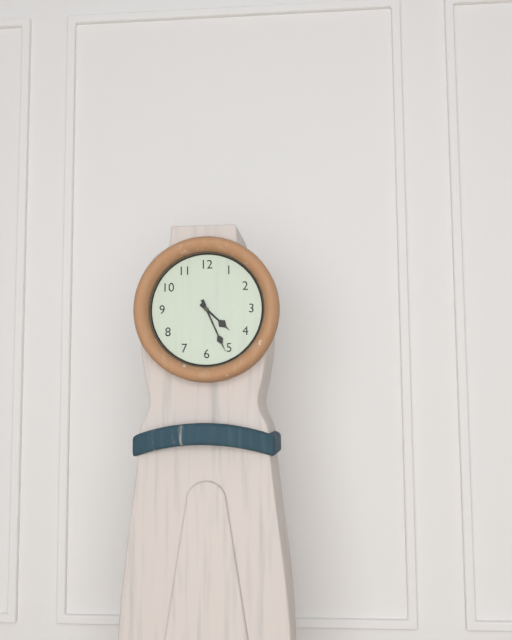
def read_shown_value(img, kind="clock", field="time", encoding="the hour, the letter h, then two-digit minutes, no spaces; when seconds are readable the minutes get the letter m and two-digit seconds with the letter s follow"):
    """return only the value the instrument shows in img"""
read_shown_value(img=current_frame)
4h26
